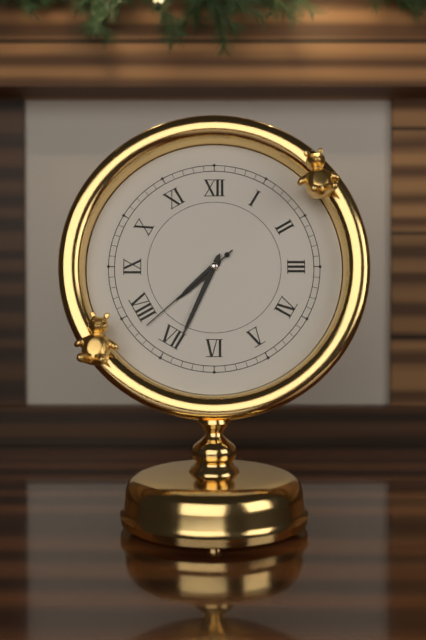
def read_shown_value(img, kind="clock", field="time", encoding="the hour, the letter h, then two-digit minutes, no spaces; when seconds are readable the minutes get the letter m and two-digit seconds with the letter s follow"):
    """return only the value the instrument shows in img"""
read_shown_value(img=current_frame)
7h34m38s
